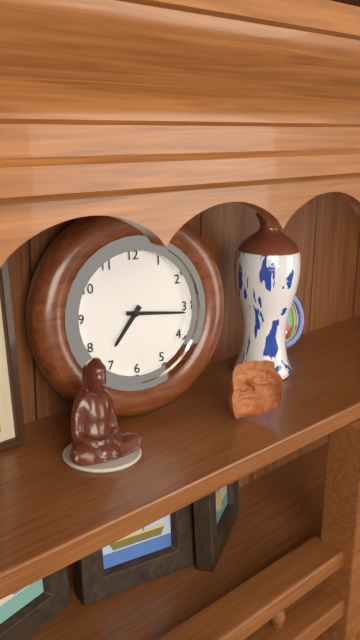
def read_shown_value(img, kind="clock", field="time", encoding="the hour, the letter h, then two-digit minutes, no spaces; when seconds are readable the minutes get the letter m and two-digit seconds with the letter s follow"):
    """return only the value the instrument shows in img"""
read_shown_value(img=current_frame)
7h16
